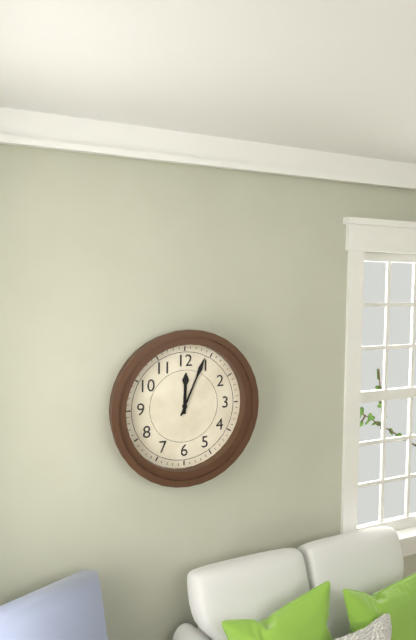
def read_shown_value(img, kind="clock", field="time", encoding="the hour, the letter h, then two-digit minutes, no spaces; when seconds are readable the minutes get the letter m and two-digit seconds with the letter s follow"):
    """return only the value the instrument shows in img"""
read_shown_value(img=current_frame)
12h04
